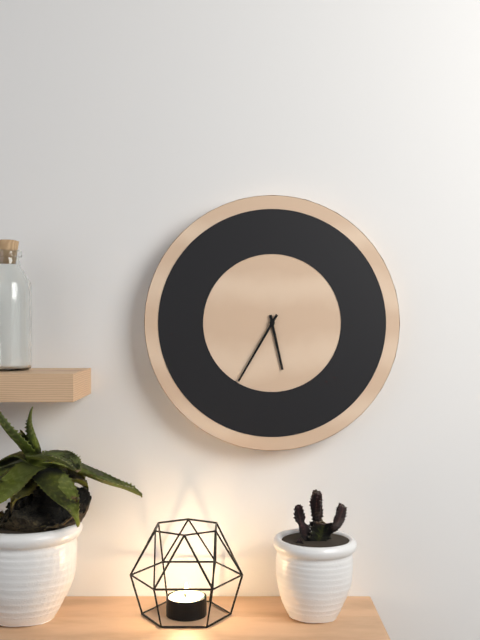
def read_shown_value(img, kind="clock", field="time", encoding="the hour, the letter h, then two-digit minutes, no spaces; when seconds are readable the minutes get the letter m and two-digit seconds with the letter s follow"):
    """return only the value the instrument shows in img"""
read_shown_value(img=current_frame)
5h35
